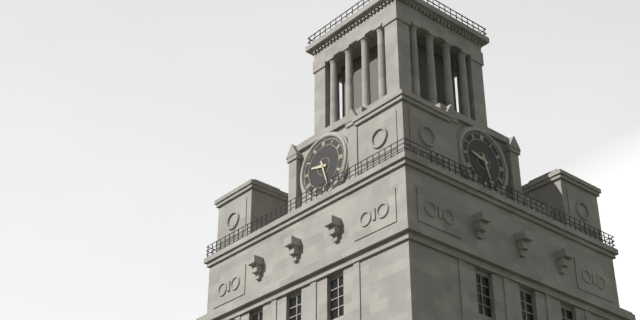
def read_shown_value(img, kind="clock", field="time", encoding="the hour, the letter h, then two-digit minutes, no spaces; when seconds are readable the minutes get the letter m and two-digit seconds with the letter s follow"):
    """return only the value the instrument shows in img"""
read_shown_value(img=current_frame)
9h27
